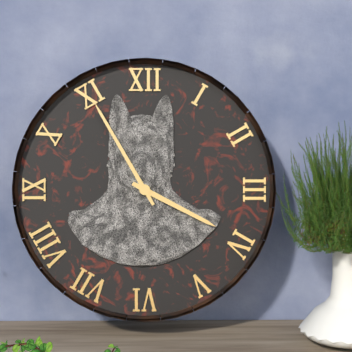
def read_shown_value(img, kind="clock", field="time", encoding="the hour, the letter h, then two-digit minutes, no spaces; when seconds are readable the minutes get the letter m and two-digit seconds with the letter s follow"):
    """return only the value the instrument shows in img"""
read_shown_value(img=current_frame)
3h55
